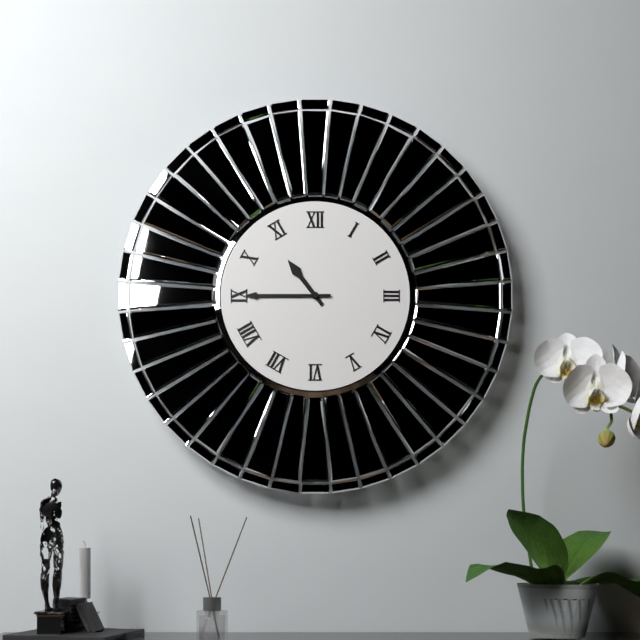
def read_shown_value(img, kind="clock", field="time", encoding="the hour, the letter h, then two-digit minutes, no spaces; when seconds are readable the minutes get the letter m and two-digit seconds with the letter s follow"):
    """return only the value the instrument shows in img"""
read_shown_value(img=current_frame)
10h45
